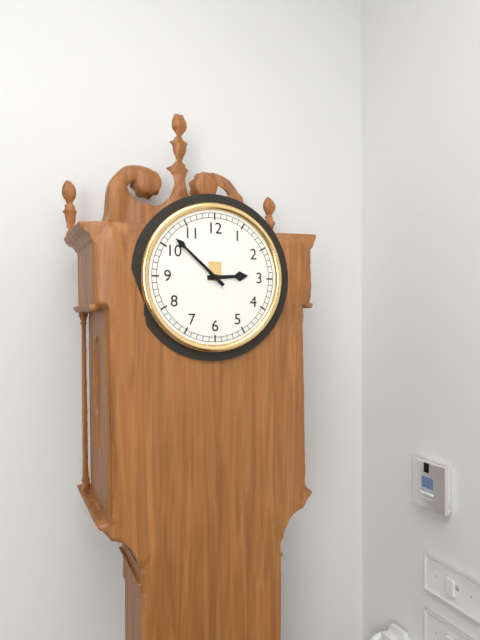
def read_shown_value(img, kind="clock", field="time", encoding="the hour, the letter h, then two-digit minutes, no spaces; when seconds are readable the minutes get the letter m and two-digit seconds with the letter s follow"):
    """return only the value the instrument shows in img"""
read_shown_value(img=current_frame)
2h52
